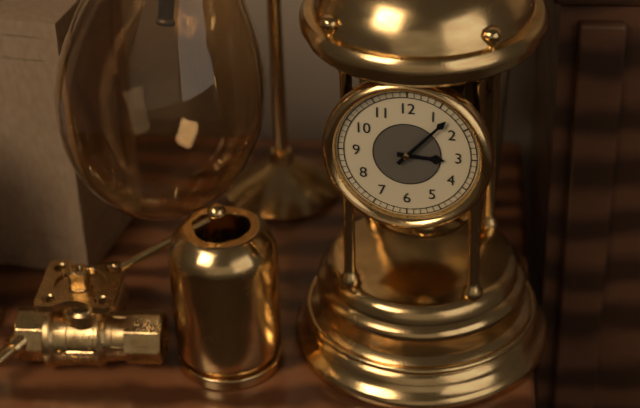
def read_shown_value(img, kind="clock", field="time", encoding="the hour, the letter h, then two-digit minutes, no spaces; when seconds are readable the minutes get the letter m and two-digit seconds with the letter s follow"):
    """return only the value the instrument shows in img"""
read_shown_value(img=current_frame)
3h07
